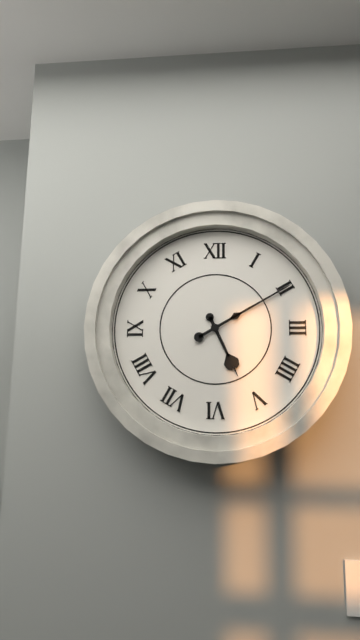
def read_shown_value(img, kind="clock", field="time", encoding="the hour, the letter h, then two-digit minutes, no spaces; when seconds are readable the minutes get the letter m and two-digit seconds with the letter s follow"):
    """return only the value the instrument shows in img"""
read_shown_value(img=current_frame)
5h10
